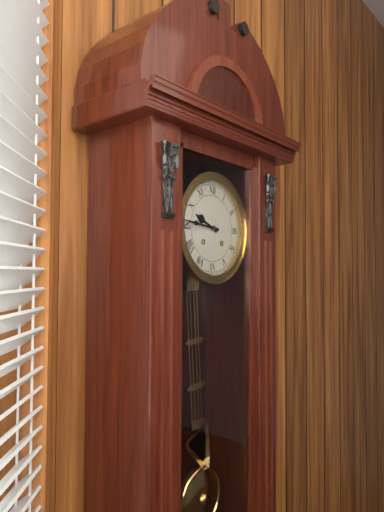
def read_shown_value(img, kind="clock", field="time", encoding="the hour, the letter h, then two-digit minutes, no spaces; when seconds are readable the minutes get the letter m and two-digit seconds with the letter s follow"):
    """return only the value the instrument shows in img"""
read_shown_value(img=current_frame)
9h46
